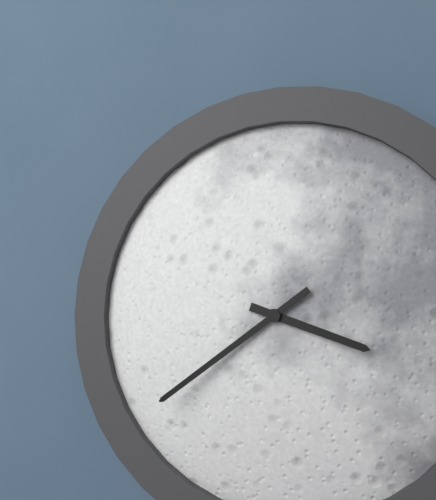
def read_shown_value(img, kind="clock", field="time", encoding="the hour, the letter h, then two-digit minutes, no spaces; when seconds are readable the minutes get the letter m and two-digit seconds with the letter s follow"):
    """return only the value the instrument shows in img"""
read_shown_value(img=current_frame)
3h39
